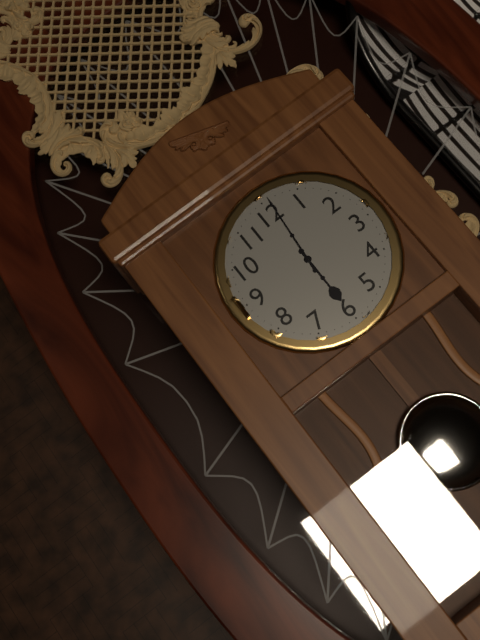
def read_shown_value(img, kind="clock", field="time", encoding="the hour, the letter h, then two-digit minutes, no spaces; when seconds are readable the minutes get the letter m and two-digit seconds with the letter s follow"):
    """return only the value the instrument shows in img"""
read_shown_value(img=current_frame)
6h01
